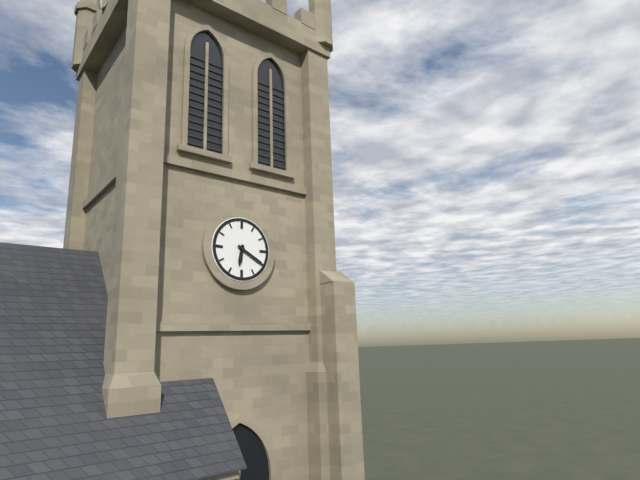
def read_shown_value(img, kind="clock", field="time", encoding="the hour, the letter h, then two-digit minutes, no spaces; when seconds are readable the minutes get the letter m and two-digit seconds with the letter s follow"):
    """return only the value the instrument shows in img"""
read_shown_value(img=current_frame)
6h20
